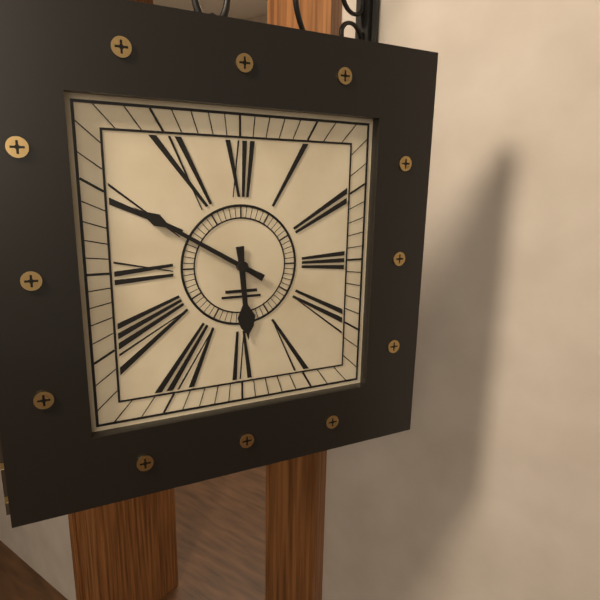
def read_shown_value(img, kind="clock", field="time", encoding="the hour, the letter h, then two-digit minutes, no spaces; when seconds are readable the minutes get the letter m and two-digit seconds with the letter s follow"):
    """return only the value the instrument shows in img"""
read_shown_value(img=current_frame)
5h50
